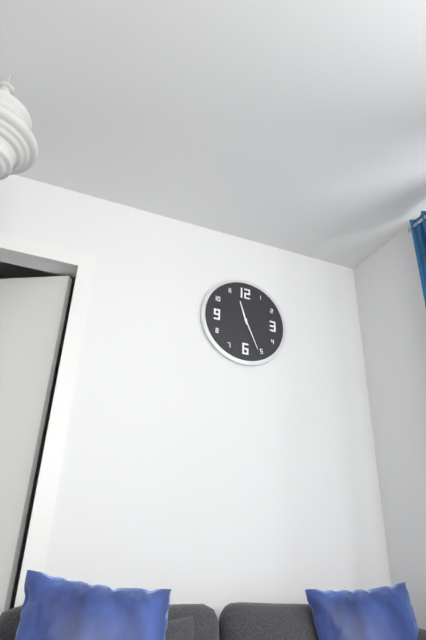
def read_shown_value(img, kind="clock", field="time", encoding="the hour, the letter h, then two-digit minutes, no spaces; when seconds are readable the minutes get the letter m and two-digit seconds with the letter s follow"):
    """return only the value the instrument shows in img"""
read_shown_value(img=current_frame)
11h26
